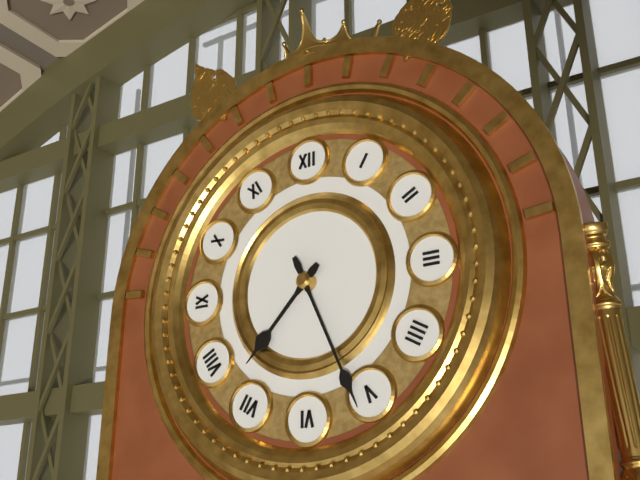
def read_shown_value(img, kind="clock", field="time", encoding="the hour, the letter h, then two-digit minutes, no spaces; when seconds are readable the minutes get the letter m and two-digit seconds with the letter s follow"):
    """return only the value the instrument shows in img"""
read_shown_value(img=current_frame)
7h26
